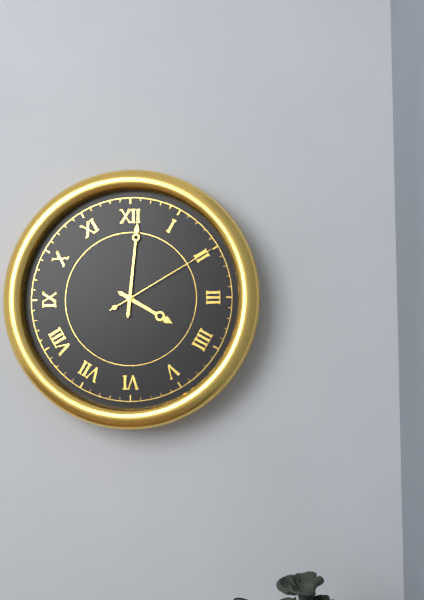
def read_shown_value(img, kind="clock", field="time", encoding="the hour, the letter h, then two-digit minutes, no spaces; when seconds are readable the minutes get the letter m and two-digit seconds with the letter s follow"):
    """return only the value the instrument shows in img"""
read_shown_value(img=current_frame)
4h01m10s
